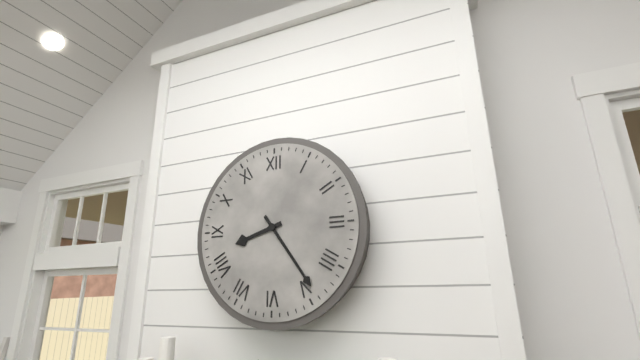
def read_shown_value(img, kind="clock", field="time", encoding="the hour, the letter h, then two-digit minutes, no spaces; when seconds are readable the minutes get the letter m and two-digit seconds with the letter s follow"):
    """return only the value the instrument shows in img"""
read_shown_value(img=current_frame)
8h24
